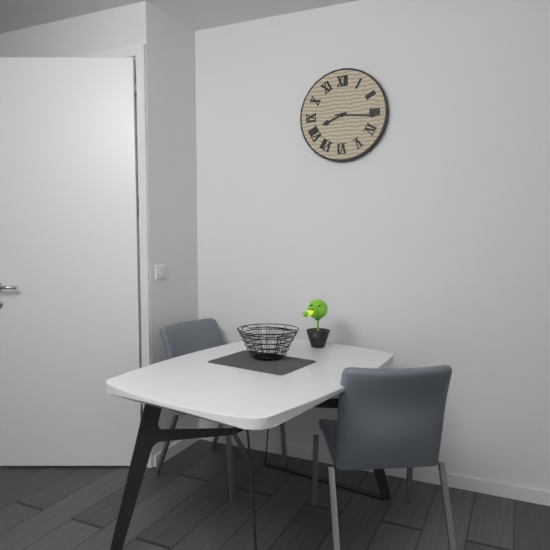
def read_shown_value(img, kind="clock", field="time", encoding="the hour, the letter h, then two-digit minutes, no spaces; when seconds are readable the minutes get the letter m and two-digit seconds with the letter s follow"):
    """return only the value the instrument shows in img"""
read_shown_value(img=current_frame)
8h16
